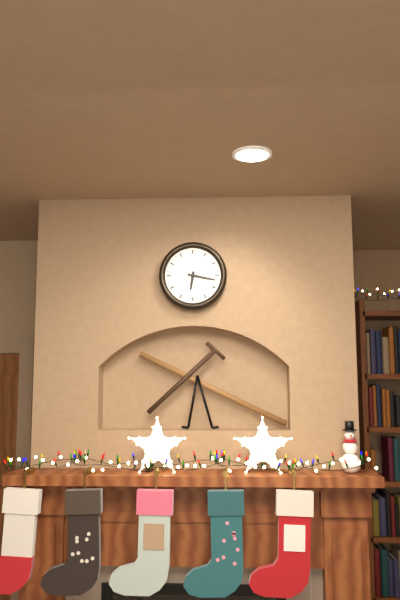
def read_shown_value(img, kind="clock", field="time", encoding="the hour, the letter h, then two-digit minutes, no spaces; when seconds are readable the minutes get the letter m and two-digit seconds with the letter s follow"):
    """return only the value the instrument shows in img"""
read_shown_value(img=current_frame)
6h17
